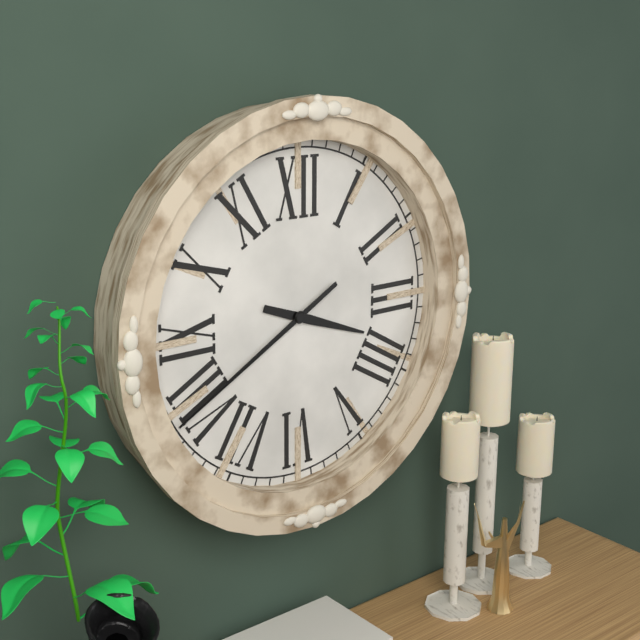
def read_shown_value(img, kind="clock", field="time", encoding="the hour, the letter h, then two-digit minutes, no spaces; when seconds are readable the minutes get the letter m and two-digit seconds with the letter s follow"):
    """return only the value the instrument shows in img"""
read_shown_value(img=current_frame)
3h40
